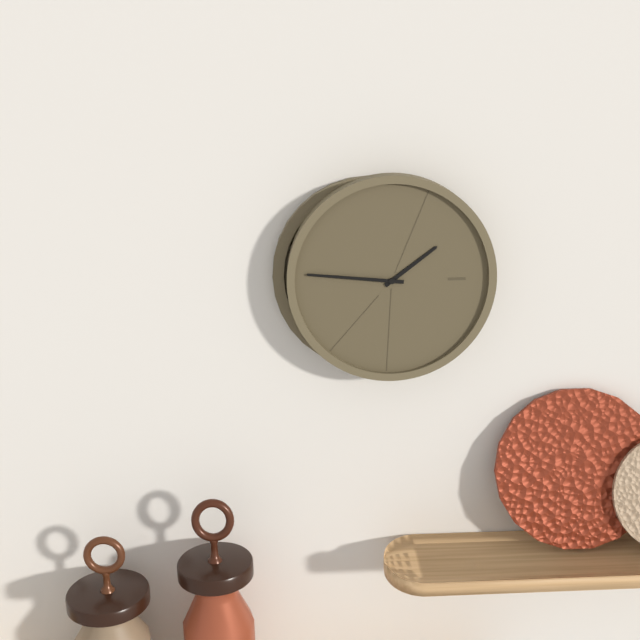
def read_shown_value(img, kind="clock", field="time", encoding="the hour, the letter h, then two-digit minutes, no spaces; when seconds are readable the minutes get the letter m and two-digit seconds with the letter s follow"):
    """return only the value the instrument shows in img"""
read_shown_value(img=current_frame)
1h46
